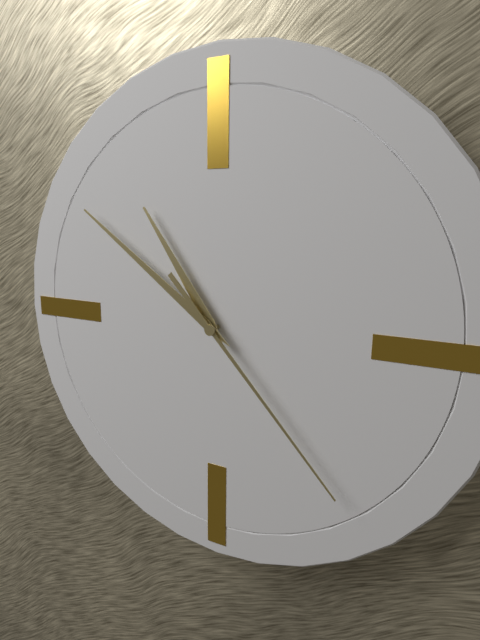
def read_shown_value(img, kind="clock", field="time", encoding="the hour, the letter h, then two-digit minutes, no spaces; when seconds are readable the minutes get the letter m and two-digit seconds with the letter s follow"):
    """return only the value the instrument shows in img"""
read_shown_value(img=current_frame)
10h51m23s
